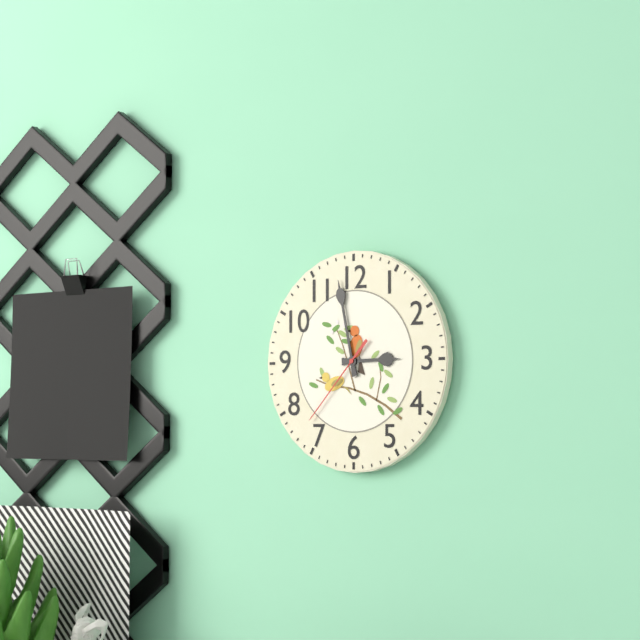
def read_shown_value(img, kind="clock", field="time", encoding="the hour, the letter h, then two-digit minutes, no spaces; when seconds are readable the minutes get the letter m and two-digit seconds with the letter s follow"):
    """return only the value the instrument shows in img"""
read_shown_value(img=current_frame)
2h58m37s
